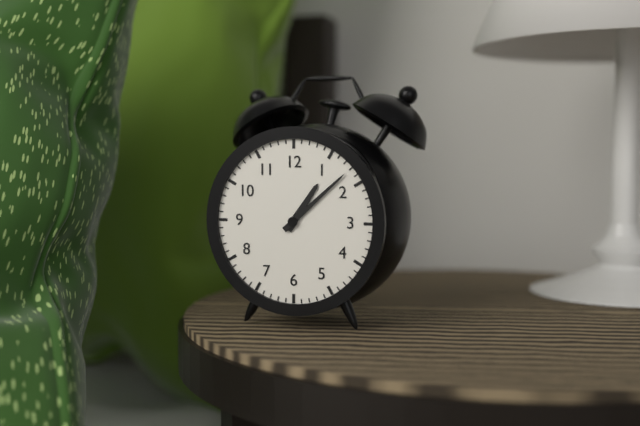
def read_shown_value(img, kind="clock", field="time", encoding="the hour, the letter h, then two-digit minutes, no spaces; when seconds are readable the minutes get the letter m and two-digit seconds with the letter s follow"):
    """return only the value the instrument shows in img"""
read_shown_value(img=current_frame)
1h08
